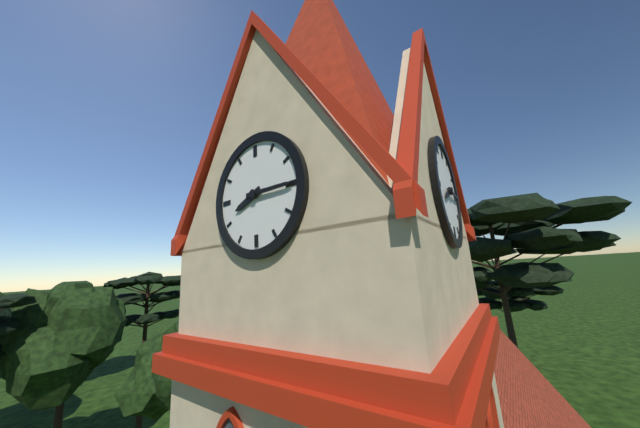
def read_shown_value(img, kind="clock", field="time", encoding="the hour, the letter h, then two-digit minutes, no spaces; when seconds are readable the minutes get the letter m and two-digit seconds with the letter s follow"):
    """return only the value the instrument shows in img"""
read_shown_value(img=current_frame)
8h15
